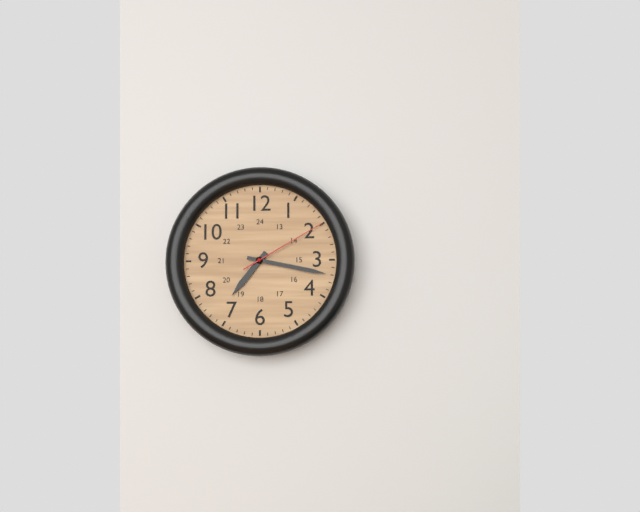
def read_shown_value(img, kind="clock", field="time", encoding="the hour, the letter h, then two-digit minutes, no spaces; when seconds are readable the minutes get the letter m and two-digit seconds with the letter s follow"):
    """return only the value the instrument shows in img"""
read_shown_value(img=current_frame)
7h17m10s
